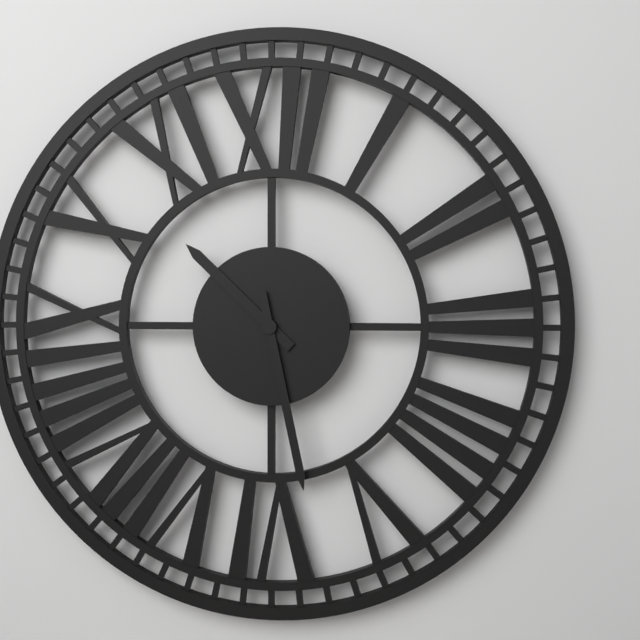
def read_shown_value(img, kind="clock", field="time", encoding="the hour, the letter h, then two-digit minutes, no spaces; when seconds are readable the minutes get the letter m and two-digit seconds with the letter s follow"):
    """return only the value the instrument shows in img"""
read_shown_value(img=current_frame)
10h28
